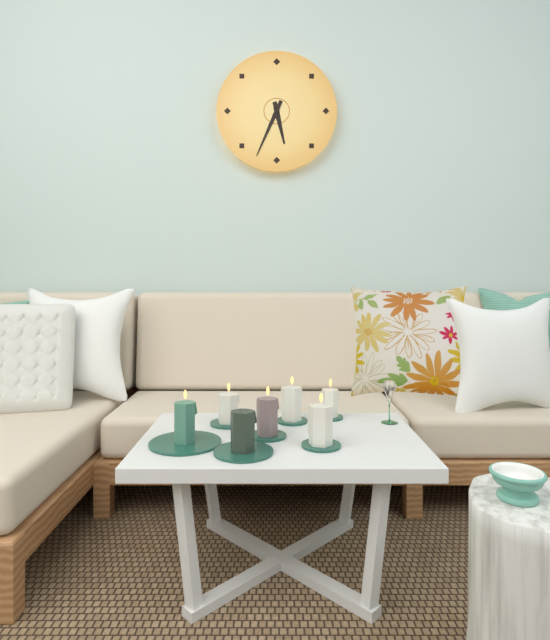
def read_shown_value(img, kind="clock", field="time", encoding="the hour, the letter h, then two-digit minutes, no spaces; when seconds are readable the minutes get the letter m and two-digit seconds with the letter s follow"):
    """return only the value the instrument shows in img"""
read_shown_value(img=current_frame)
5h34
